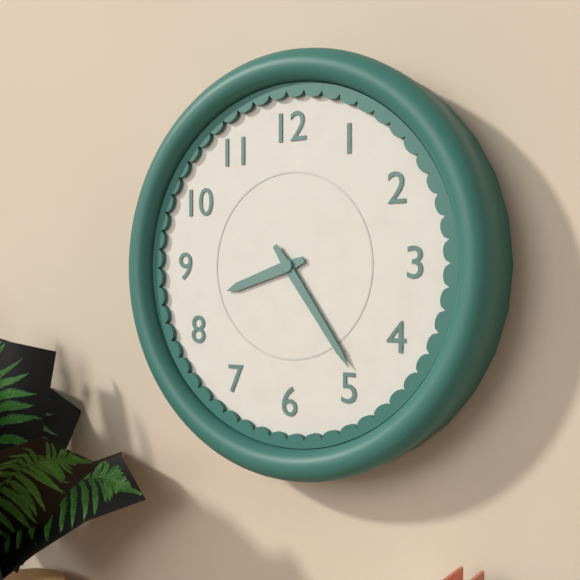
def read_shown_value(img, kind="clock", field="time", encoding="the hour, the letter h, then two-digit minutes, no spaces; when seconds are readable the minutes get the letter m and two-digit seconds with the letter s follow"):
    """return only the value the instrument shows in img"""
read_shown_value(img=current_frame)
8h24
